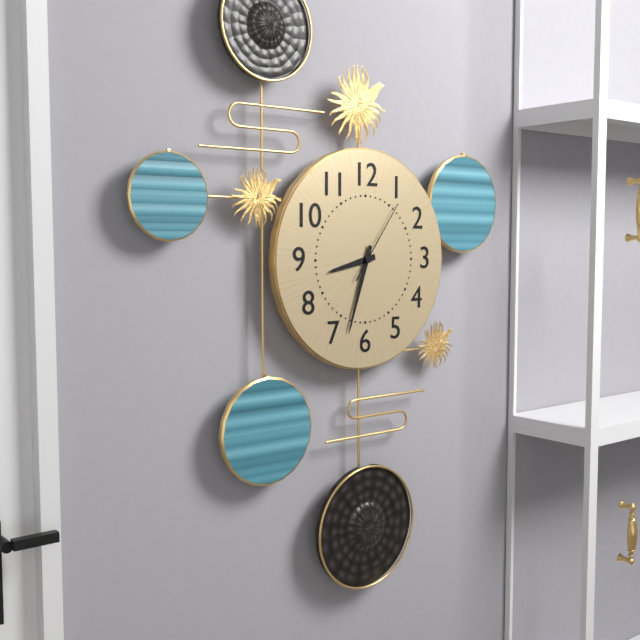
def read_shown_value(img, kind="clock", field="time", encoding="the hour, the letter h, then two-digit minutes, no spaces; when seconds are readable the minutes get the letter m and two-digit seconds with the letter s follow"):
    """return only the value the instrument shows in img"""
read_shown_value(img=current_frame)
8h33m06s
